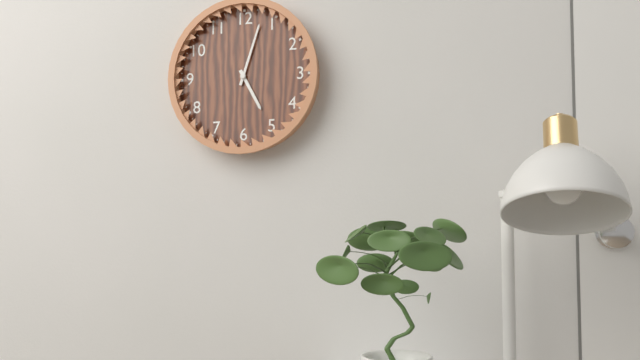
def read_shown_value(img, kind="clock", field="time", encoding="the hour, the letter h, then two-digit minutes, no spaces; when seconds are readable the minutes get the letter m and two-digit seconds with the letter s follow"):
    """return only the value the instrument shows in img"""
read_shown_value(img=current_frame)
5h03
